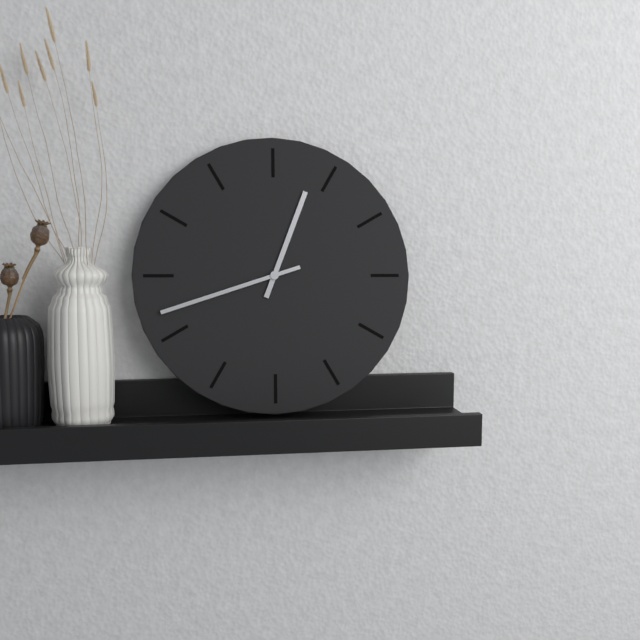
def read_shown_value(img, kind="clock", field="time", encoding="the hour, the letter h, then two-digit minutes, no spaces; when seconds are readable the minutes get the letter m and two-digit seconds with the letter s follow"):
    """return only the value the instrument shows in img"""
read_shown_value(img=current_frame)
12h42
